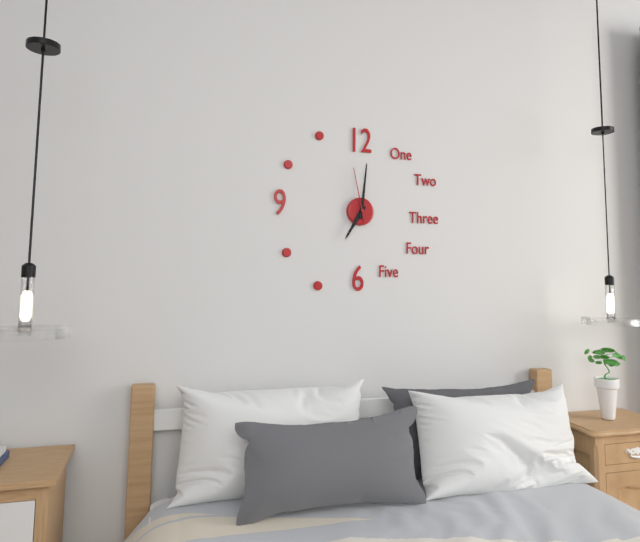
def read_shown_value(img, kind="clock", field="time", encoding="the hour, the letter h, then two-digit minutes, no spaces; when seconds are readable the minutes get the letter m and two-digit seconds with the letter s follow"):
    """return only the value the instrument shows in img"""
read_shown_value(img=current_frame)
7h01m58s
